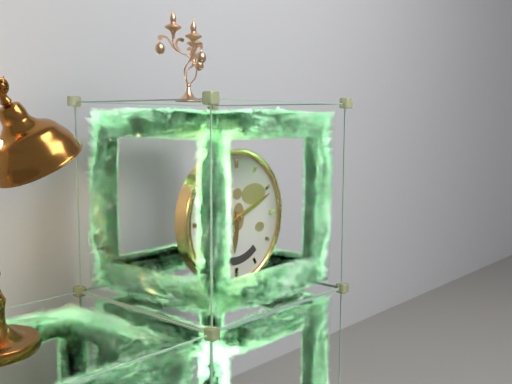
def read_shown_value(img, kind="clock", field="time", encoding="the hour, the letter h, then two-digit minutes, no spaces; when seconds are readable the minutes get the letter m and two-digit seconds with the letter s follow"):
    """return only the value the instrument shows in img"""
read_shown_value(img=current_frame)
6h11
